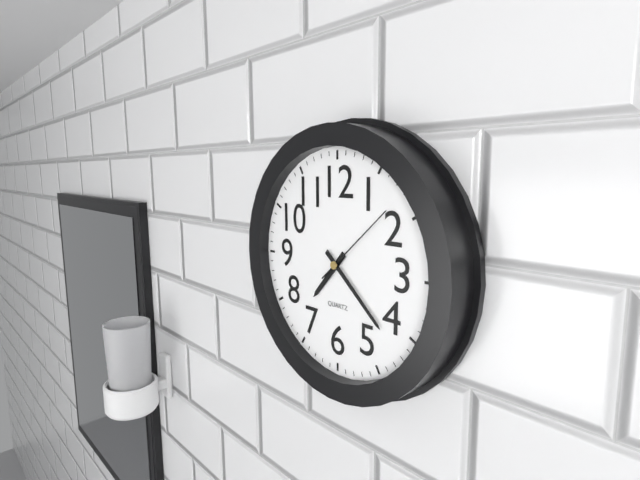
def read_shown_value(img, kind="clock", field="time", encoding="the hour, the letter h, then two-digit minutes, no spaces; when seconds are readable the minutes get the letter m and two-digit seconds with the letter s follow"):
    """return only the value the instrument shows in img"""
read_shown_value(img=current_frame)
7h22m08s
